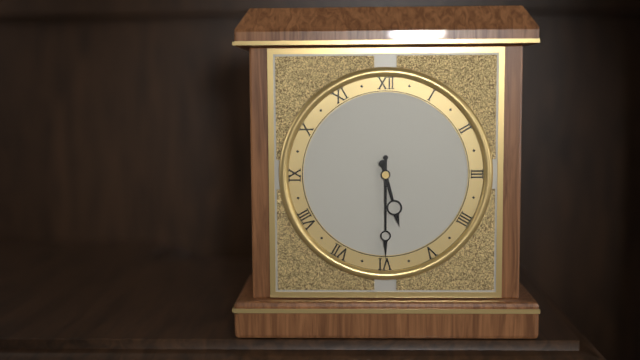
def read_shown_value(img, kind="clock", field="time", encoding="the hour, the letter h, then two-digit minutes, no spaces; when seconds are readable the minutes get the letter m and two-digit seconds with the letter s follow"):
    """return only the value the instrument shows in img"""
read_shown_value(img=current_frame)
5h30
